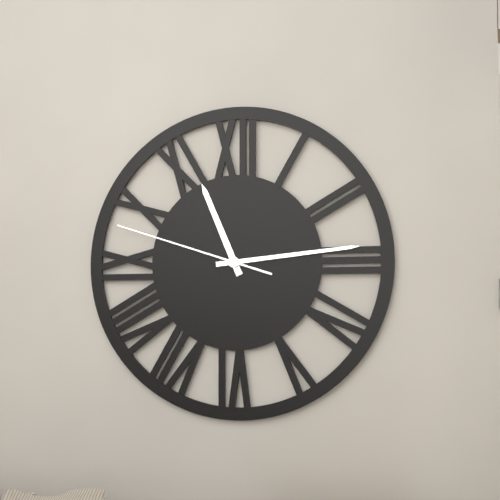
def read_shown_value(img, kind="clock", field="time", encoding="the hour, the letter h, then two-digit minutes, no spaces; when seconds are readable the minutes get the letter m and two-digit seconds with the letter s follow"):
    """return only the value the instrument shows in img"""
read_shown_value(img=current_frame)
11h14m48s
